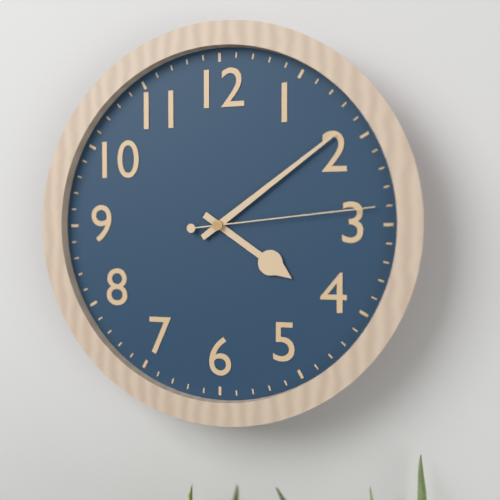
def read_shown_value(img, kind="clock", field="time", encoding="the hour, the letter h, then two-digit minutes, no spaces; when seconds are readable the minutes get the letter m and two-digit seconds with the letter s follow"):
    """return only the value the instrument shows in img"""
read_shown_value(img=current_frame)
4h09m14s
